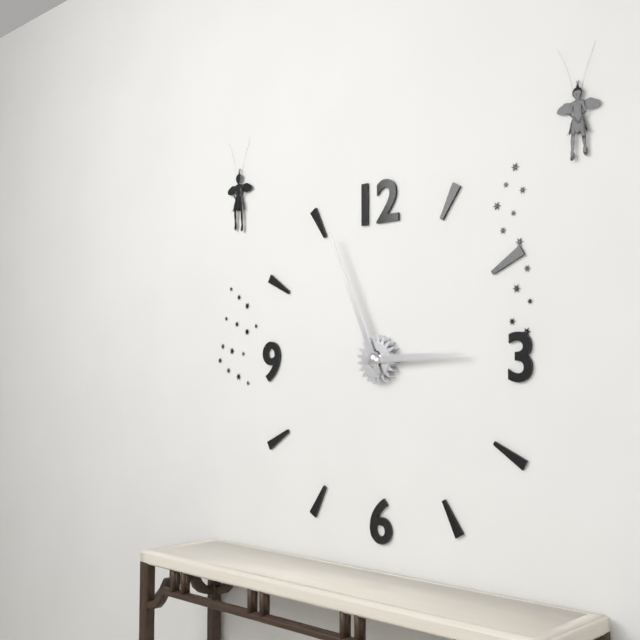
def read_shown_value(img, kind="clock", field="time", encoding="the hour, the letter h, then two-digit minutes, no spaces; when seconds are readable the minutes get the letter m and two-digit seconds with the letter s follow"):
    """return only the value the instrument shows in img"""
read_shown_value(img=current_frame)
2h56
